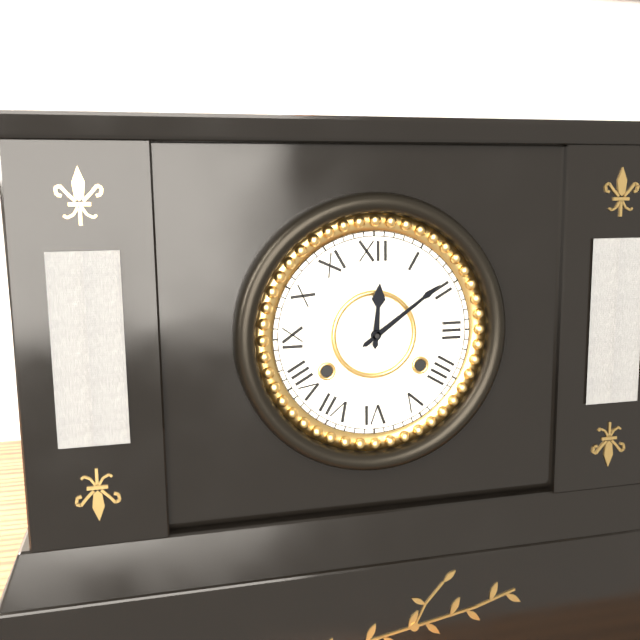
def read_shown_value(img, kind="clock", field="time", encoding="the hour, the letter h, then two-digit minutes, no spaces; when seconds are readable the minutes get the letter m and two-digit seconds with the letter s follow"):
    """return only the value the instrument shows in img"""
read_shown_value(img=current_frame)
12h09
